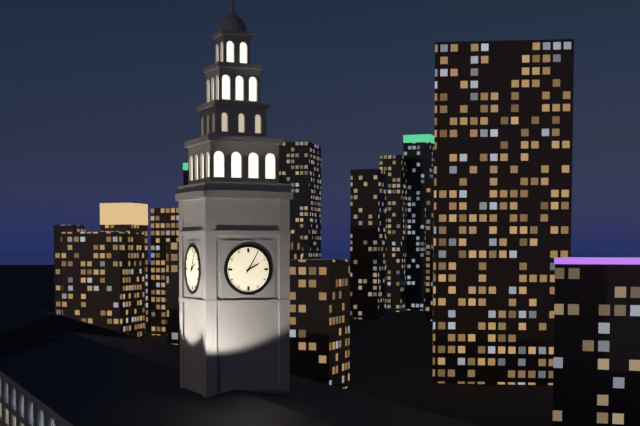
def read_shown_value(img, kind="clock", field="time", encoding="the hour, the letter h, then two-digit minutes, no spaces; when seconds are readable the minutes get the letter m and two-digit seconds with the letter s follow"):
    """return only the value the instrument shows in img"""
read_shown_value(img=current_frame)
2h05
